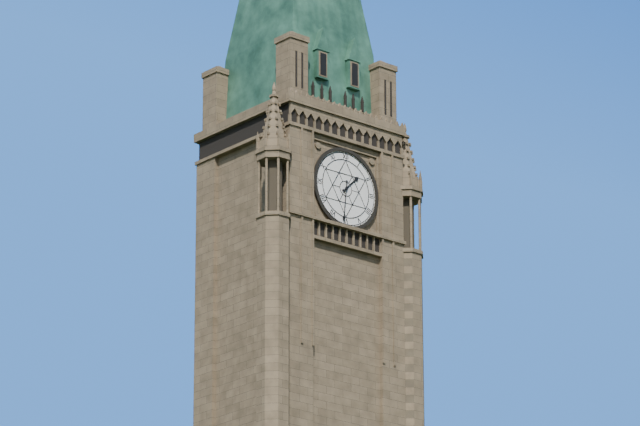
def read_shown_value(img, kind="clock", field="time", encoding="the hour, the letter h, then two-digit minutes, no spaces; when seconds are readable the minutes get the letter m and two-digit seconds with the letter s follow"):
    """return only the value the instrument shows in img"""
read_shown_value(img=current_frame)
1h31
